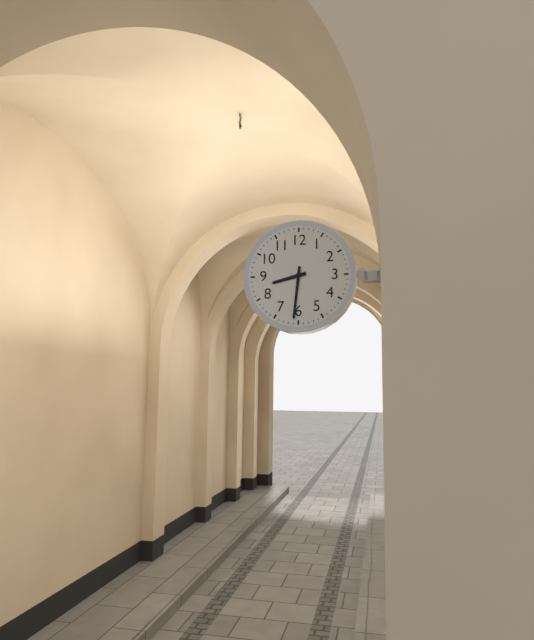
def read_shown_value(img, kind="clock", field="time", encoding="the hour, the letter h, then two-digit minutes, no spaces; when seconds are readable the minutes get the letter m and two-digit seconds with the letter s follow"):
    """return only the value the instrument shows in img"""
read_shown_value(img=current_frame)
8h31
